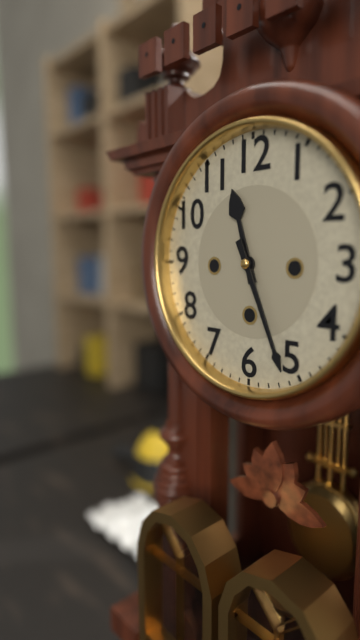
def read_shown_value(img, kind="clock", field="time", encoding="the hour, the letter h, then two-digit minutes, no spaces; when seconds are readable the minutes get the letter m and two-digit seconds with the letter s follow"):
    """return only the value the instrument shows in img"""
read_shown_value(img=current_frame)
11h26
